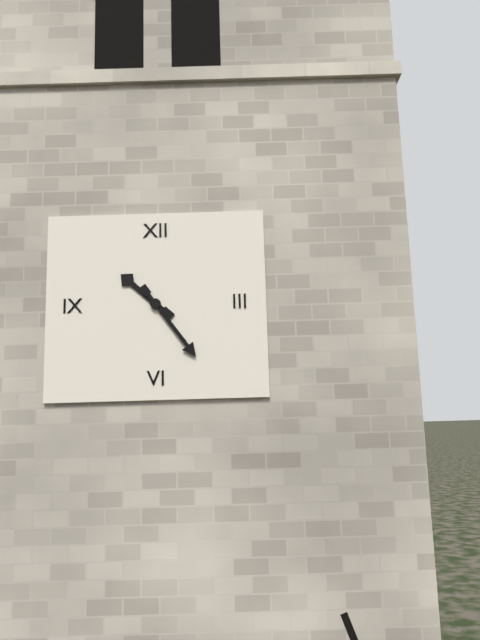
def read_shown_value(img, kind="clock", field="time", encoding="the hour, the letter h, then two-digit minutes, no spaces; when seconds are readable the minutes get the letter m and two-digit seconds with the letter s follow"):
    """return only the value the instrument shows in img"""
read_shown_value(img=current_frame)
10h24
